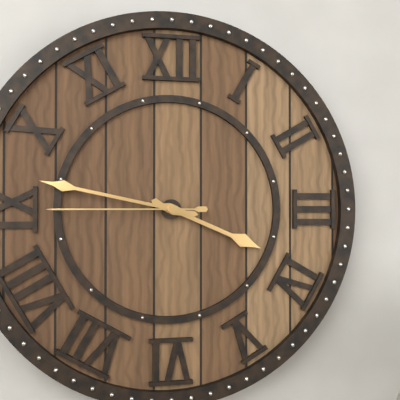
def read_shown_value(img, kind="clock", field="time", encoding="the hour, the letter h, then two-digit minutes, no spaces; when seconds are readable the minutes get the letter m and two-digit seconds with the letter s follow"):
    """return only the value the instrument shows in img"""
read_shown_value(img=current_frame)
3h47m45s
